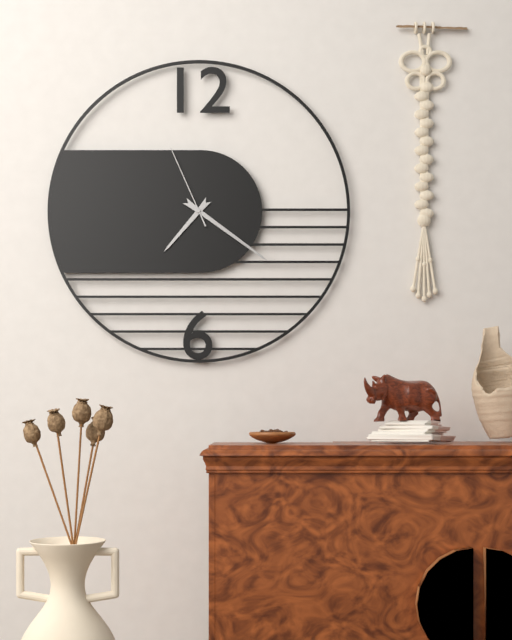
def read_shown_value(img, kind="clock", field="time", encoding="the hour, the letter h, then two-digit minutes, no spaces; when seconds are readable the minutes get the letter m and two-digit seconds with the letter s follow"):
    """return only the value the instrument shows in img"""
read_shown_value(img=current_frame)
7h21m56s
